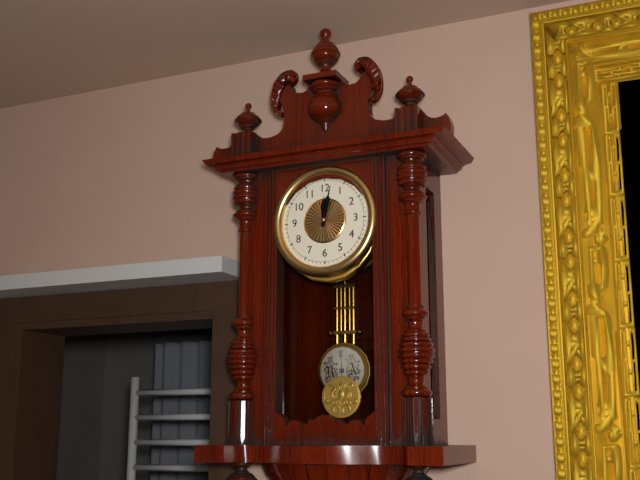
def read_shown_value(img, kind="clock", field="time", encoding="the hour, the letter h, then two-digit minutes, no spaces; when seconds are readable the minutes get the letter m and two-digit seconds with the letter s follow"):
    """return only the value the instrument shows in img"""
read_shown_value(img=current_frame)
12h02
